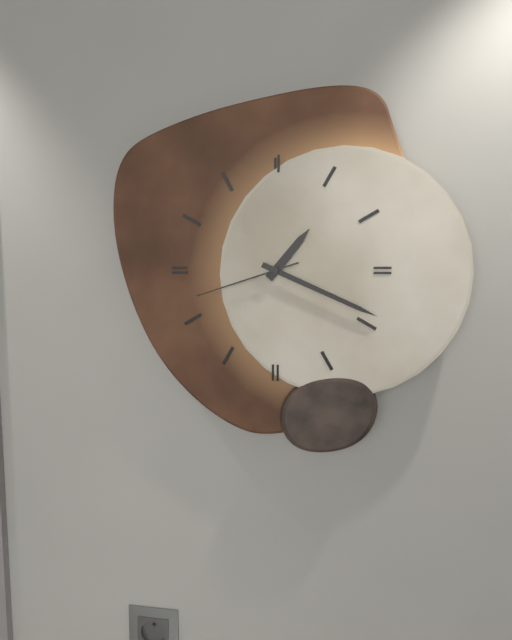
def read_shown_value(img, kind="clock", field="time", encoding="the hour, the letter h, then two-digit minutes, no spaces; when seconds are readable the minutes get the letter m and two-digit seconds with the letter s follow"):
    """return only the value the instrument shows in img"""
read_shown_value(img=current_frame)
1h19m42s
